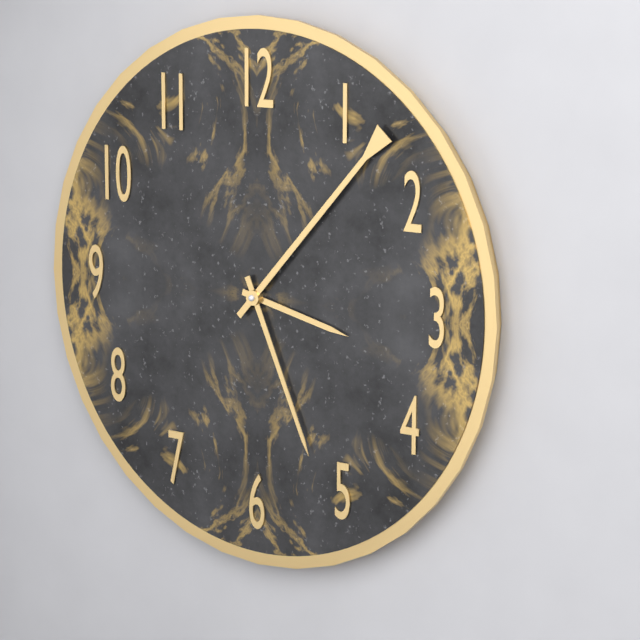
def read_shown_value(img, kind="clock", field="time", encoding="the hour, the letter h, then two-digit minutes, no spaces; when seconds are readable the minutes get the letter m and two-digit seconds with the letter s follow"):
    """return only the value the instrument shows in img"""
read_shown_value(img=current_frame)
3h26m07s
